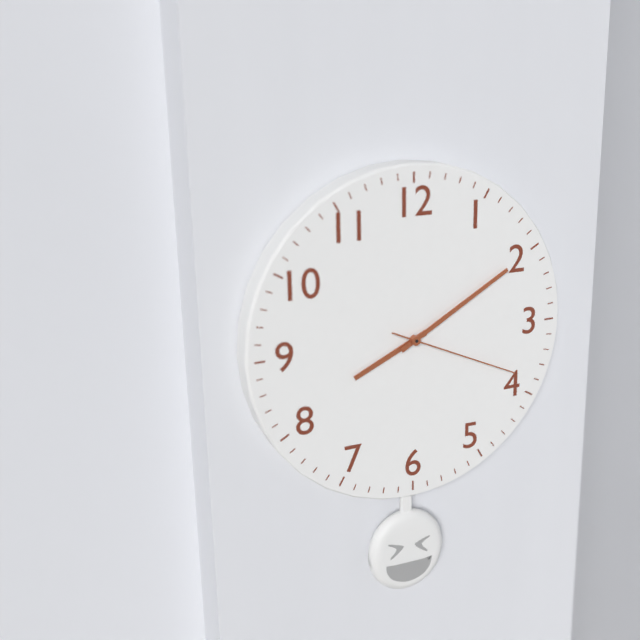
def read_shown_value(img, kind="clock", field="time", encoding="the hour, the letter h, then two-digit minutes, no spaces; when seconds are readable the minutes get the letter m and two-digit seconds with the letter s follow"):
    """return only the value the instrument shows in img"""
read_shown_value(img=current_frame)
8h10m19s
